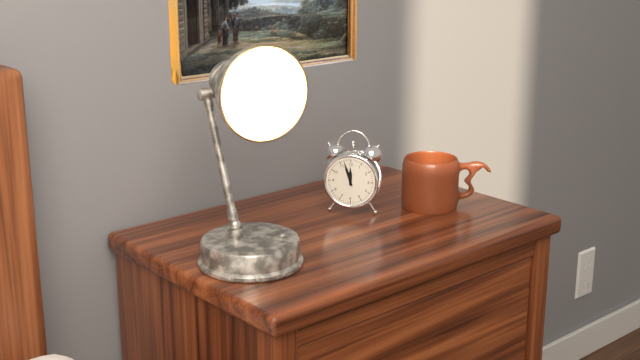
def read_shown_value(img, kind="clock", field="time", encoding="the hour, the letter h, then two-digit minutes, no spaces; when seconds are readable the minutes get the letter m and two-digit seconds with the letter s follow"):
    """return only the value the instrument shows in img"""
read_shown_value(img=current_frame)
11h57
